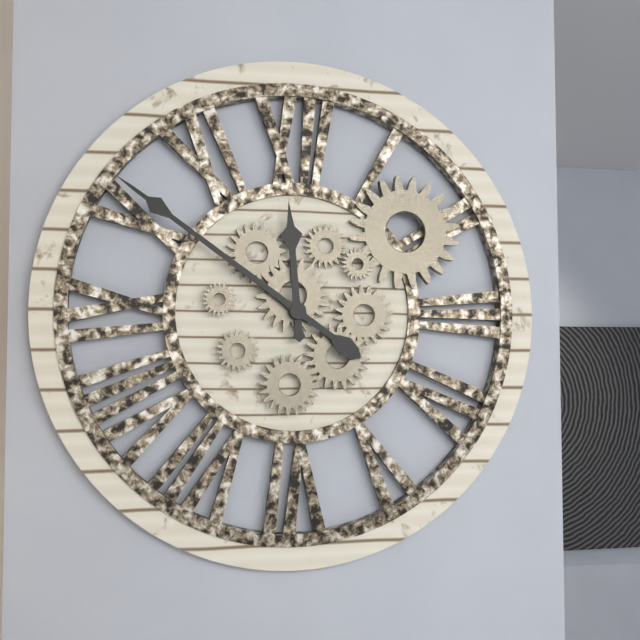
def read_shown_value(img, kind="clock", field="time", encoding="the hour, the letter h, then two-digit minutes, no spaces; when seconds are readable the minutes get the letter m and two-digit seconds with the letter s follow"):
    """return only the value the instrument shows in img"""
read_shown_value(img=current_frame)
11h51
